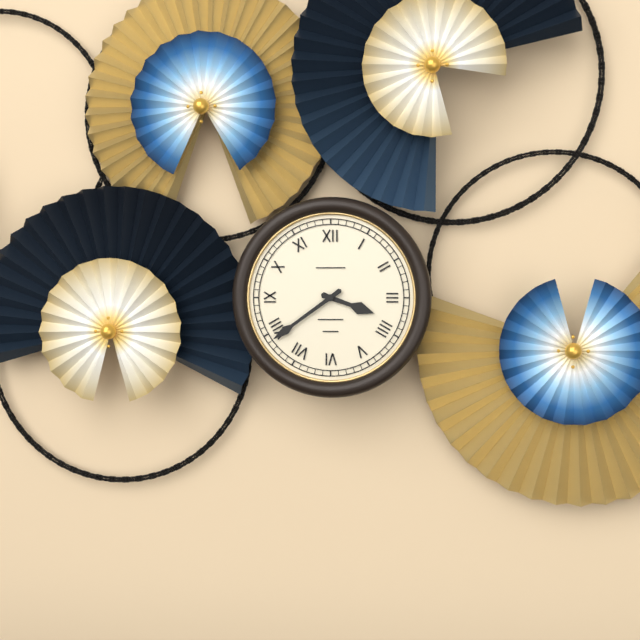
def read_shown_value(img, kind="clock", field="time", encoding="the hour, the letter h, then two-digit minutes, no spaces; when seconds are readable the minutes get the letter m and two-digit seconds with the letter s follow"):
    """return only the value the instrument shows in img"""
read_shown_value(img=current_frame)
3h39
